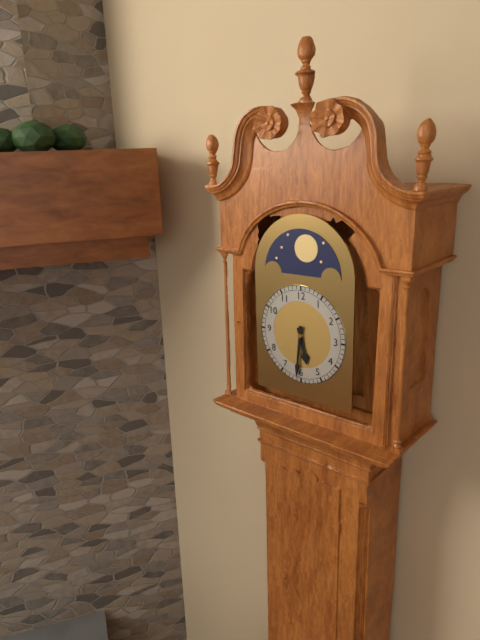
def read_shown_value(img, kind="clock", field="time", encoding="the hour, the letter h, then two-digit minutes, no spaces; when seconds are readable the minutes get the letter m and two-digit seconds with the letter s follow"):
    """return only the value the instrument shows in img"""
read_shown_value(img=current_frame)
5h31
